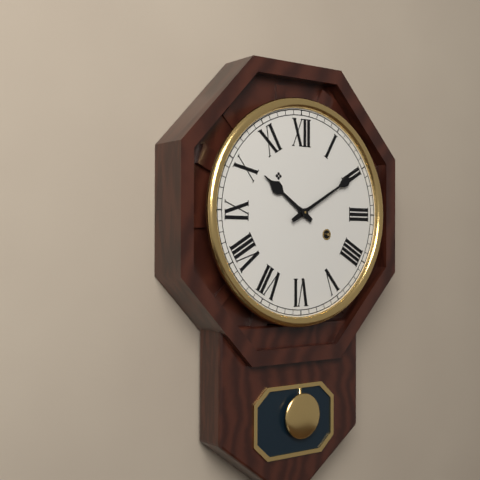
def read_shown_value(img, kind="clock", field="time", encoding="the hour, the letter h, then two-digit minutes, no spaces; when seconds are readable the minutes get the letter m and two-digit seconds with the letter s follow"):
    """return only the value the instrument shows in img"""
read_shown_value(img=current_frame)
10h10
